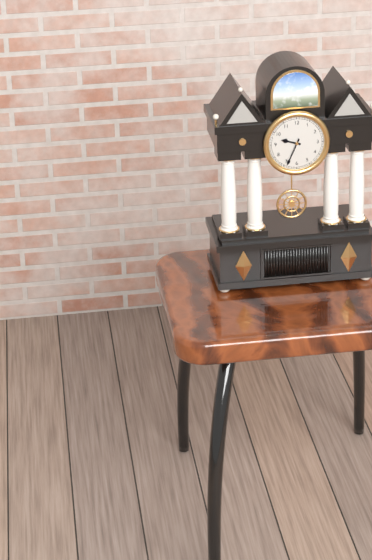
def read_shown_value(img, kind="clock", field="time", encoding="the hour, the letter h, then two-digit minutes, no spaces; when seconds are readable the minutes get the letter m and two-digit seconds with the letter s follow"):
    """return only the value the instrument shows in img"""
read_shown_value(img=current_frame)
9h34
